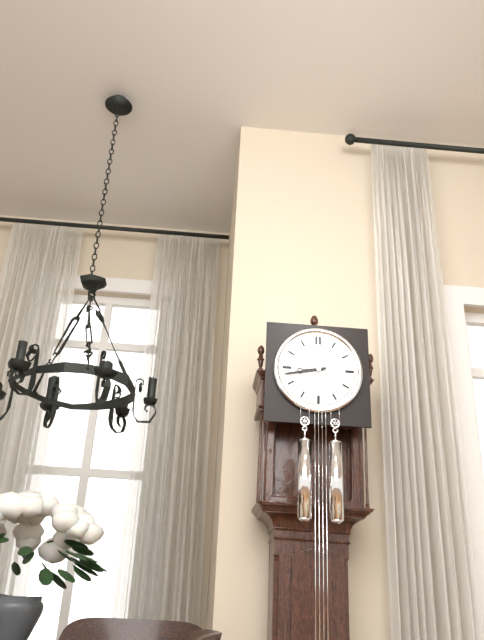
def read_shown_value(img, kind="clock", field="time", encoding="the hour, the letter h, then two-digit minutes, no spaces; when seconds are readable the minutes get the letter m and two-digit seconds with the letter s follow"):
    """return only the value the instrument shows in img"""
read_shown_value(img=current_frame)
8h43
